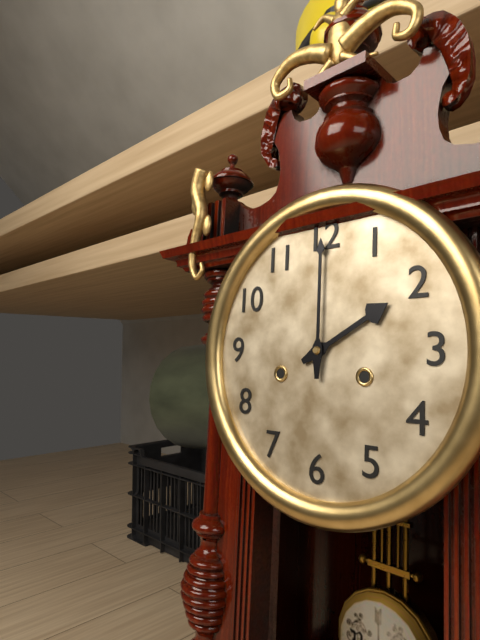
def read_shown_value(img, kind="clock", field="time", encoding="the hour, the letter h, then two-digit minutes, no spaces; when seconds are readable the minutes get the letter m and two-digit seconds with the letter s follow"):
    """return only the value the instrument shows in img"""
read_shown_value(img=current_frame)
2h00
